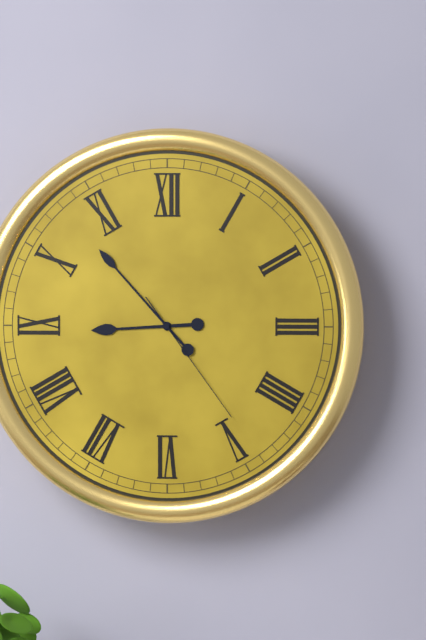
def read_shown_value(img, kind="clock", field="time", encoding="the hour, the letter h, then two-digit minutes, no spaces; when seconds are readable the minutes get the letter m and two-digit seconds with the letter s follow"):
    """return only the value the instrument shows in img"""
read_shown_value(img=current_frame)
8h53m24s
